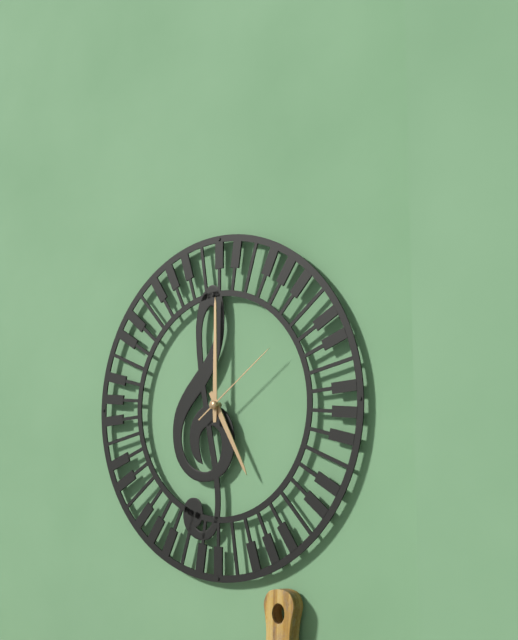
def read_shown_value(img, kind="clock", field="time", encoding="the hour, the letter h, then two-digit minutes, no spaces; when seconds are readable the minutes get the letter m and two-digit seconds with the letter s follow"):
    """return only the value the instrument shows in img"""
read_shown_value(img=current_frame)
5h00m09s
